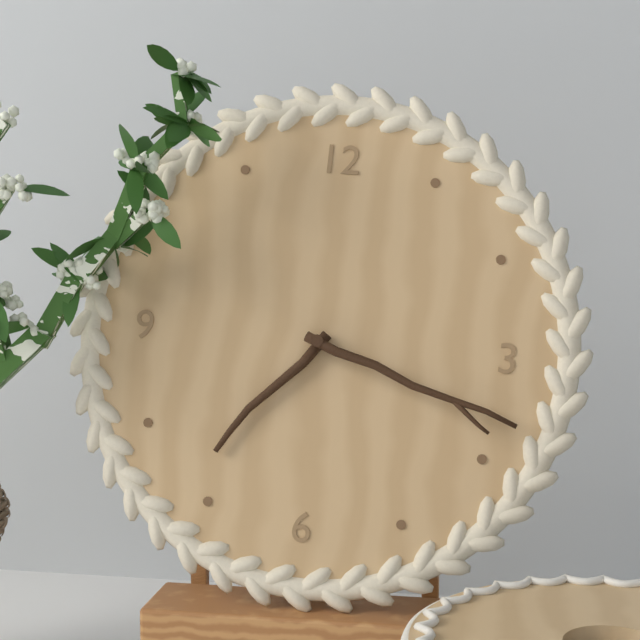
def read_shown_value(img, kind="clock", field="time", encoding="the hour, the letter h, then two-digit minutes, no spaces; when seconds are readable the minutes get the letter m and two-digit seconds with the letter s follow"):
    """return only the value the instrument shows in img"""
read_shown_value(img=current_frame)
7h18
